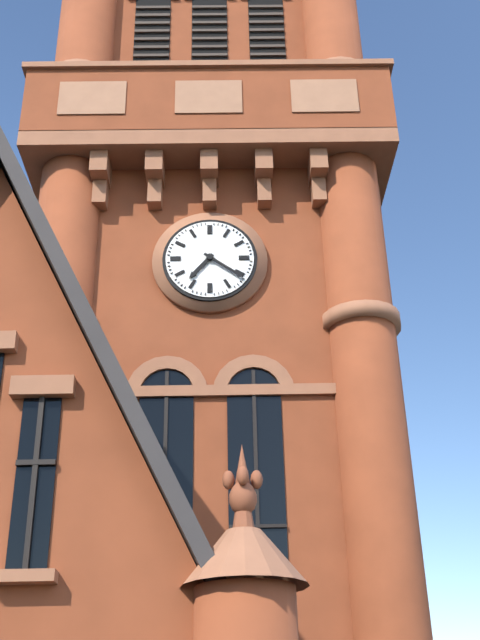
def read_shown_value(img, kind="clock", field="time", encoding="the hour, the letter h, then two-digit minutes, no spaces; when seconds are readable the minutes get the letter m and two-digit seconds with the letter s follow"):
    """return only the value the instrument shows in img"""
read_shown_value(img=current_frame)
7h21
